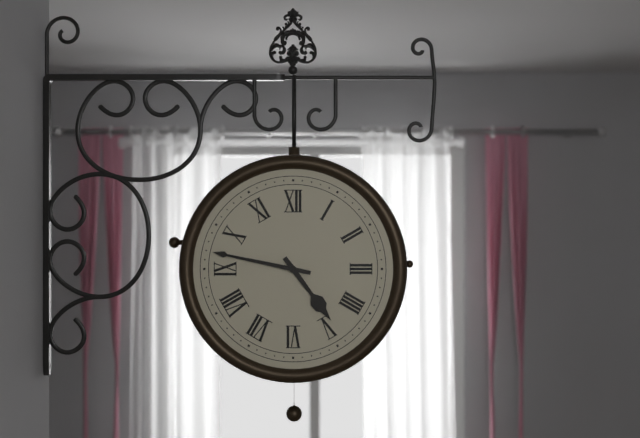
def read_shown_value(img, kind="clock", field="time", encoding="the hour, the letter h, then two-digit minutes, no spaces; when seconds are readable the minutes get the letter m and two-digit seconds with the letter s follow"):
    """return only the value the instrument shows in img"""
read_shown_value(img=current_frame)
4h47
